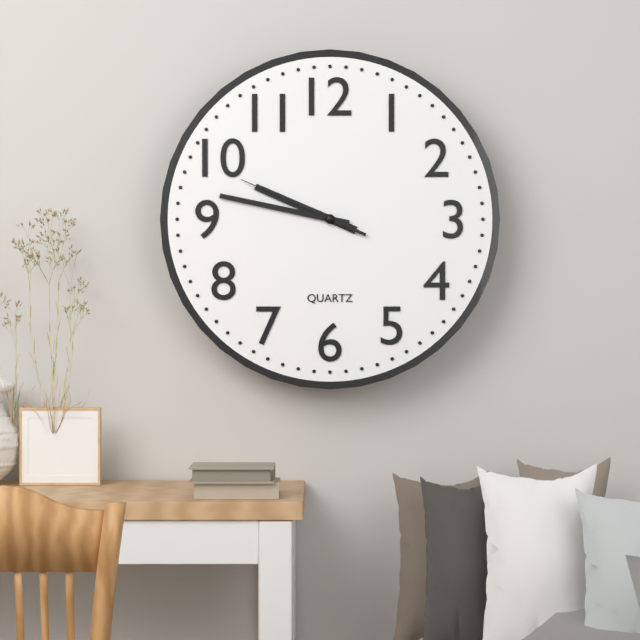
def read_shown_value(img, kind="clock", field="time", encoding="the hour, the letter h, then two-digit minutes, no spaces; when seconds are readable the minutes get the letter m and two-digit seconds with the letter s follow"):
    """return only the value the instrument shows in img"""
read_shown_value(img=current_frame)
9h47m49s
